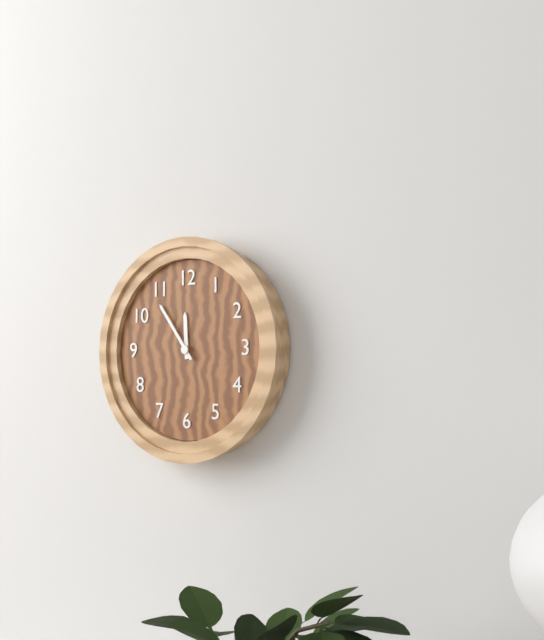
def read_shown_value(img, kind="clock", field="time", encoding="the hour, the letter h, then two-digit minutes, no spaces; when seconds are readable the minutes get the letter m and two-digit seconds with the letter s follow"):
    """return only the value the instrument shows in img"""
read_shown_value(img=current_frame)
11h54
